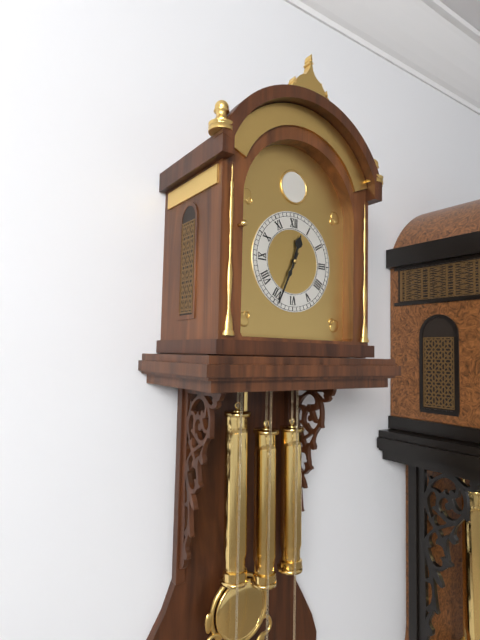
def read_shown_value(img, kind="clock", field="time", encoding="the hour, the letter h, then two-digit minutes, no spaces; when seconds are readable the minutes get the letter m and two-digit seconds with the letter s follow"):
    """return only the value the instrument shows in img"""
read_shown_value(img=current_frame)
12h34
